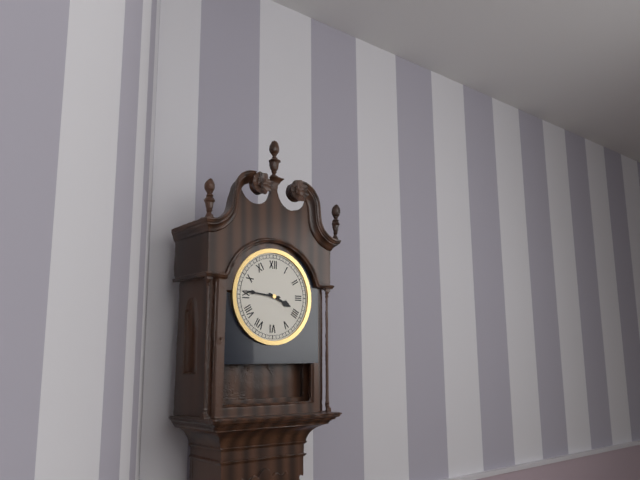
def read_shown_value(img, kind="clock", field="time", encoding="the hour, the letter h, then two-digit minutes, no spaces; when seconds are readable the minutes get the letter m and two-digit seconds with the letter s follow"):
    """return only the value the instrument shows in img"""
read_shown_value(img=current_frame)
3h46
